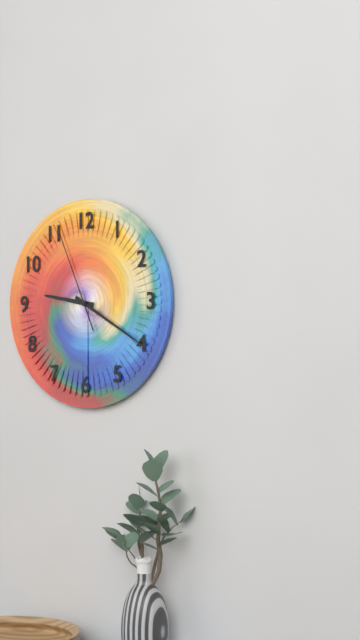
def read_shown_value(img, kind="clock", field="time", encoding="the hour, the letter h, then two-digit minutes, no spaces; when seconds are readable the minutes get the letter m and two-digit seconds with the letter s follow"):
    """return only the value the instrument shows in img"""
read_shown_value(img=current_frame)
9h20m56s
